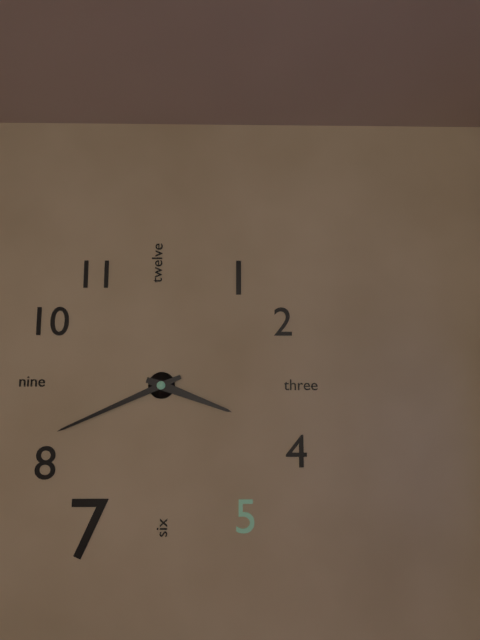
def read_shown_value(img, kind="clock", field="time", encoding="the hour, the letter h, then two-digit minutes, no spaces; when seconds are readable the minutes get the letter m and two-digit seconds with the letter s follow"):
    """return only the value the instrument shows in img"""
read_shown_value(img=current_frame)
3h41
